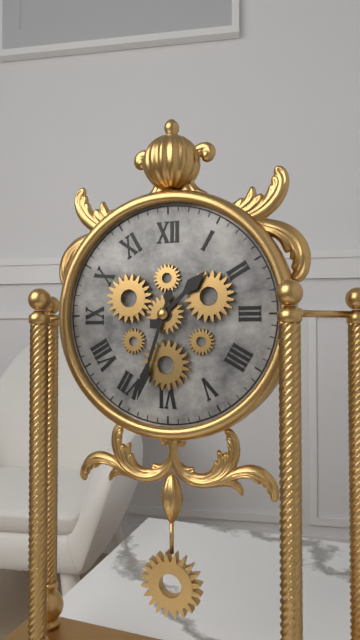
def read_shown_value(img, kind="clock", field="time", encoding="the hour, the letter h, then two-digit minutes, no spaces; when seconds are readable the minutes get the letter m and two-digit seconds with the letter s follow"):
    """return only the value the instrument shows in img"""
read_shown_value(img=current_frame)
1h33
